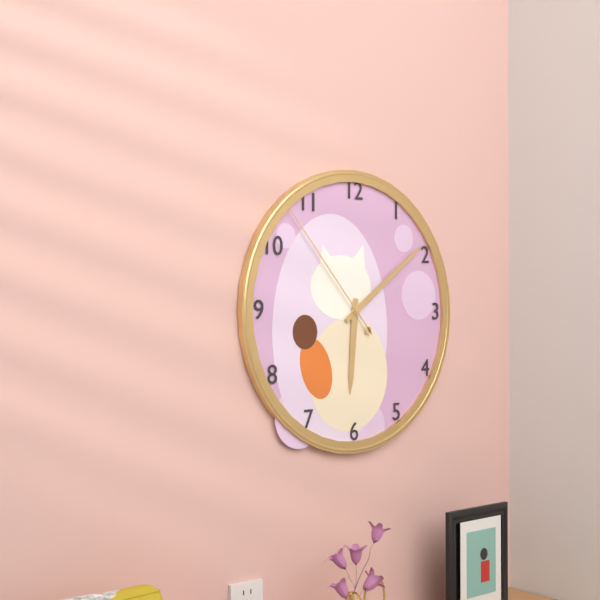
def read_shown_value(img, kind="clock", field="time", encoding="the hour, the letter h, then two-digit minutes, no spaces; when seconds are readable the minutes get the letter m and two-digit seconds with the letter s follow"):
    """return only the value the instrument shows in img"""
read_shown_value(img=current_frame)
6h09m53s
